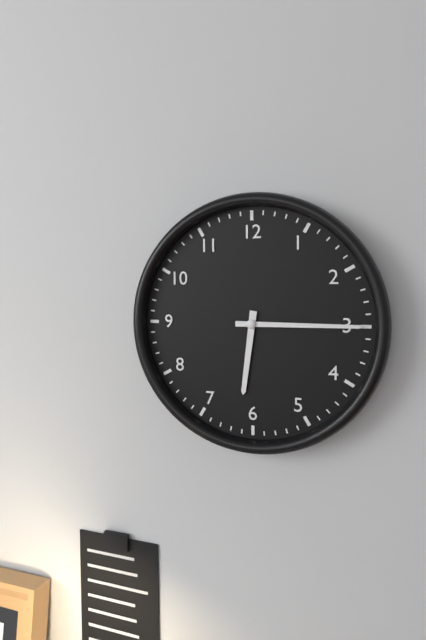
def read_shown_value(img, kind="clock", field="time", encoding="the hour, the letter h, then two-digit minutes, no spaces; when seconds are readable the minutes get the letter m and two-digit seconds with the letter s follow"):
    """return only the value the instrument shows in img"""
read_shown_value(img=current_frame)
6h15
